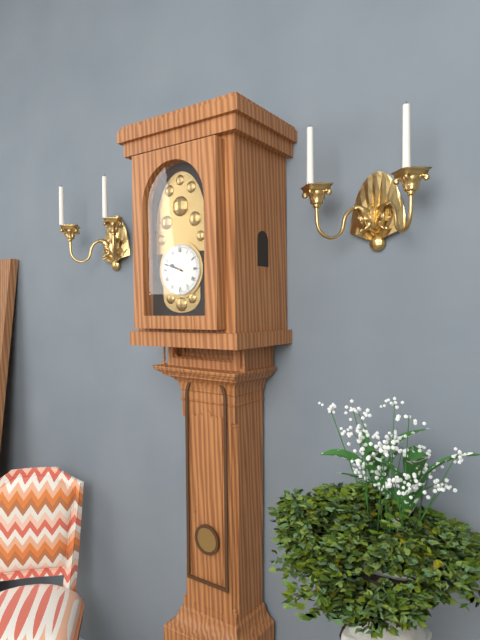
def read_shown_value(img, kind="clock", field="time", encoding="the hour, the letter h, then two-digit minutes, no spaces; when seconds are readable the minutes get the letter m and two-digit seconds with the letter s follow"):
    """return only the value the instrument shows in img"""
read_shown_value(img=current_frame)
9h48
